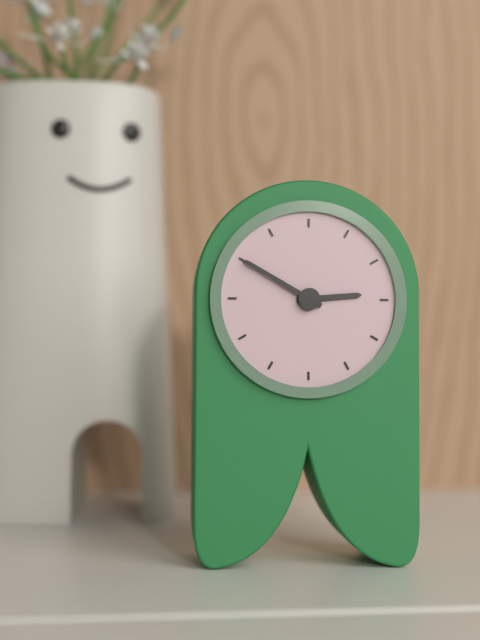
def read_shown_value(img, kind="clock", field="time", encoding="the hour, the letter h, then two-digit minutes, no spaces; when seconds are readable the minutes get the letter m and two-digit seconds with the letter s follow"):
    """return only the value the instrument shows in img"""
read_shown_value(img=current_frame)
2h50
